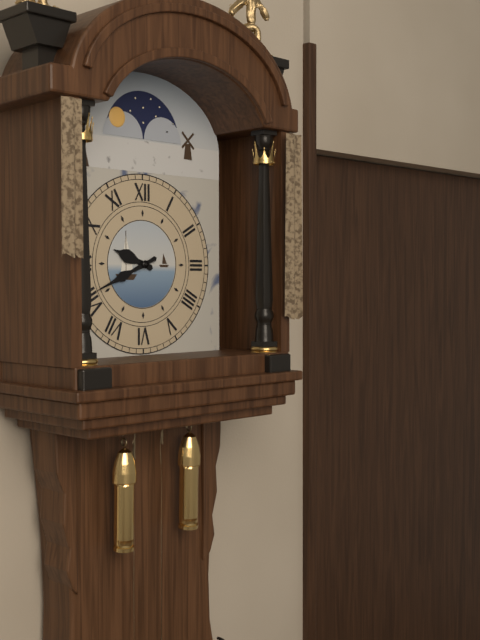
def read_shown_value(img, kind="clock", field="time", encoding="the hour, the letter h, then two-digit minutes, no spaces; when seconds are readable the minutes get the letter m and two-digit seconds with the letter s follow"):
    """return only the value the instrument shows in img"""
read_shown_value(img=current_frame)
9h41
